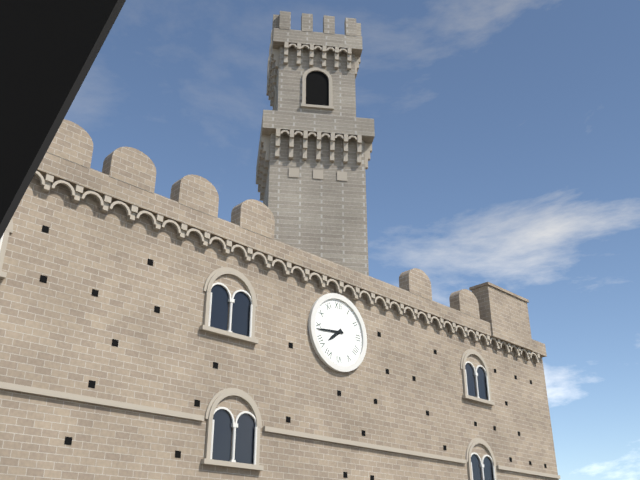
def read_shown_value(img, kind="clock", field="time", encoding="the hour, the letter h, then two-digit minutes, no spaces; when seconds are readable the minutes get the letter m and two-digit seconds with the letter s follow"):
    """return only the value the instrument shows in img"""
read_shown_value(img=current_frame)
7h44
